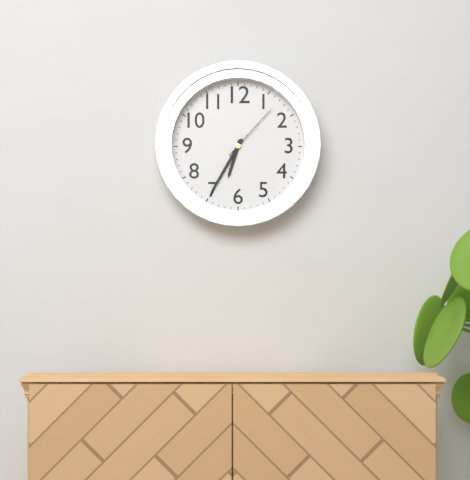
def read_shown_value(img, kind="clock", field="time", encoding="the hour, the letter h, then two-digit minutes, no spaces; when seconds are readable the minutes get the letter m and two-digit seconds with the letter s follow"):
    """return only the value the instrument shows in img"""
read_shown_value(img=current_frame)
6h35m07s
